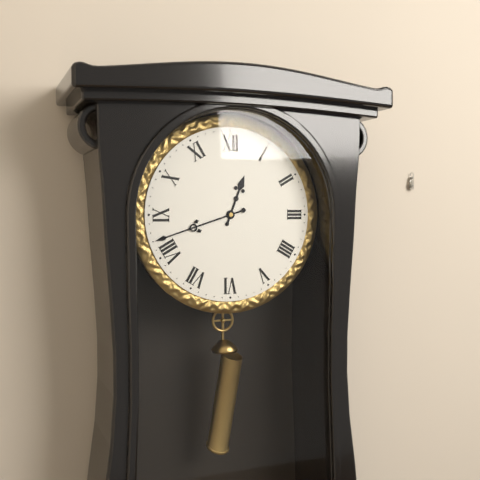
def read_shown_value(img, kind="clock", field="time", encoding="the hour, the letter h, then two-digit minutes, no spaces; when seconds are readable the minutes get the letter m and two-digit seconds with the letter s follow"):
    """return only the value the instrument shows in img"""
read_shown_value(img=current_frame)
12h42
